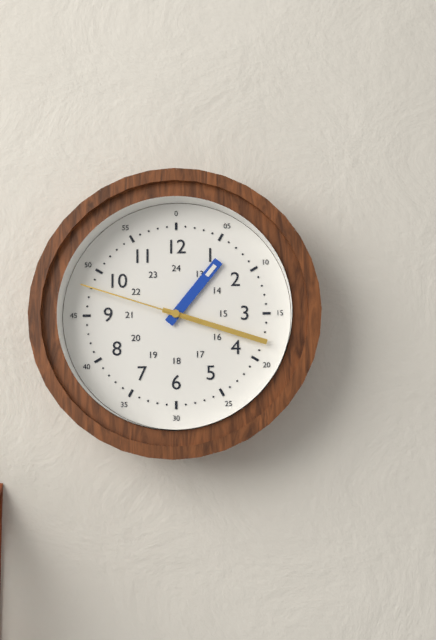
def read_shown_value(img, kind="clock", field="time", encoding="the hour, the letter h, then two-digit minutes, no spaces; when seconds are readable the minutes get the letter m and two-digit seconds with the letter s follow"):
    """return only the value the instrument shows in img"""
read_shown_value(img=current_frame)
1h18m48s
